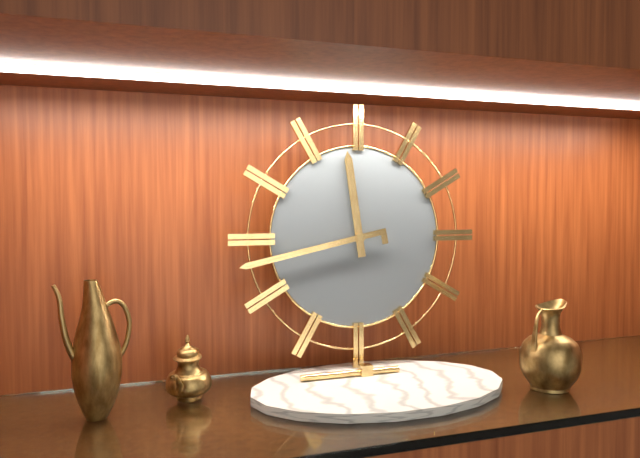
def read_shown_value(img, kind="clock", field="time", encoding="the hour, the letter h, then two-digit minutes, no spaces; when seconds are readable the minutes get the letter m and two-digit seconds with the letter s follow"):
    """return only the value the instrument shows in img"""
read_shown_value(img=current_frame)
11h43
